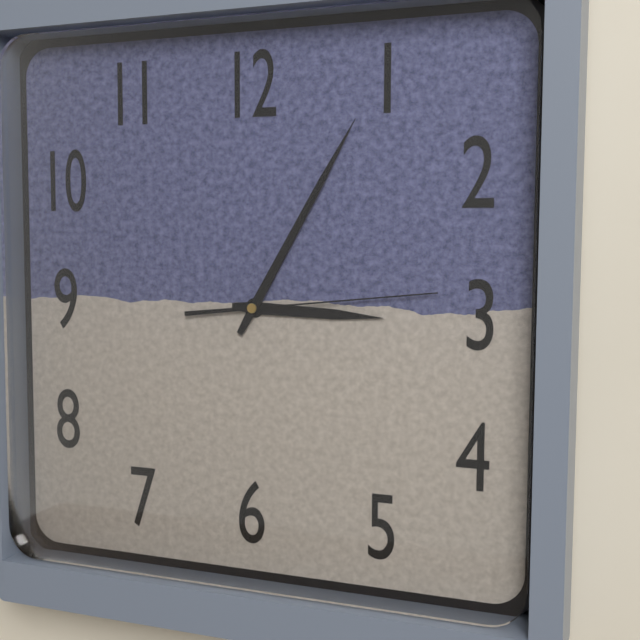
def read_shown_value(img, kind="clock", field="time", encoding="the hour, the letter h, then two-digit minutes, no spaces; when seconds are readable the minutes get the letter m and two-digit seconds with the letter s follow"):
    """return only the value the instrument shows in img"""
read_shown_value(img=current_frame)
3h05m14s
